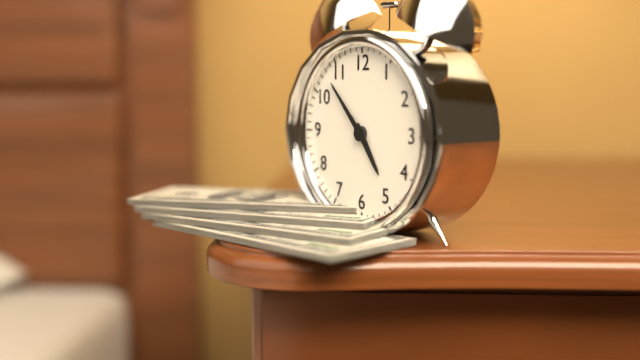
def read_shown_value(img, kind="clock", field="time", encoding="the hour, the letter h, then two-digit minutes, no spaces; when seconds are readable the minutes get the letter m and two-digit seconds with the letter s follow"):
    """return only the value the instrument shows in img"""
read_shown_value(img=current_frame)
4h53
